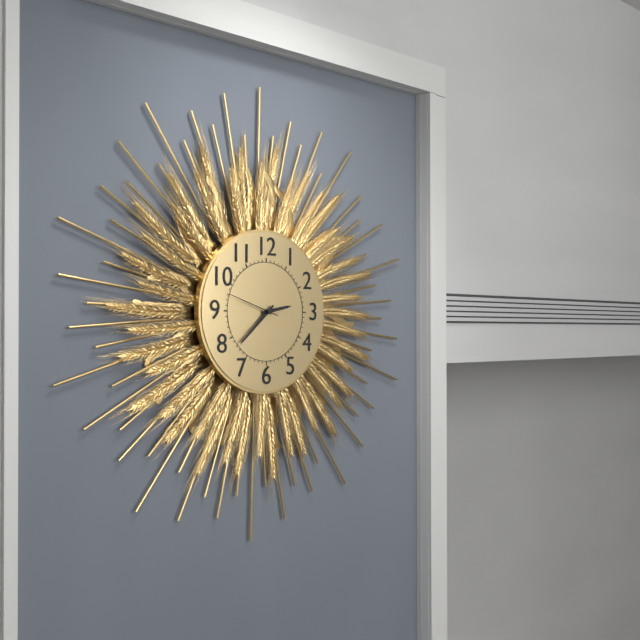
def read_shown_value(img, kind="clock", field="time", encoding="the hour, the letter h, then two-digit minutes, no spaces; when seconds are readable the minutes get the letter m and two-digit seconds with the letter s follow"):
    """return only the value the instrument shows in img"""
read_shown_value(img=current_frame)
2h38m48s
